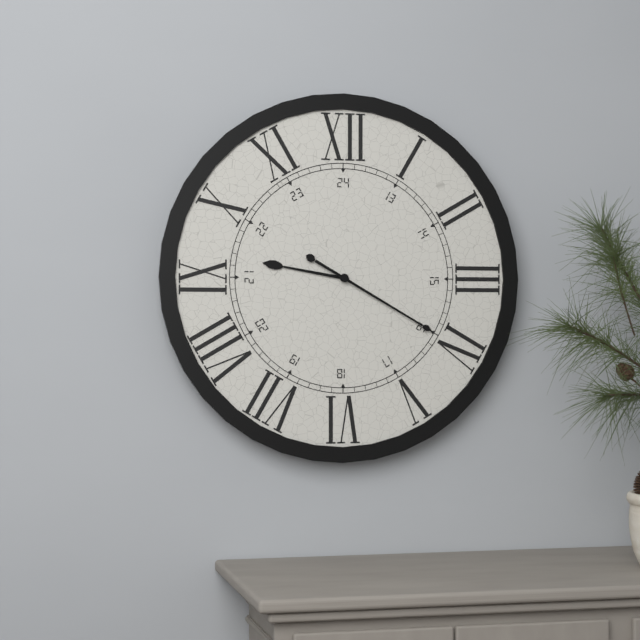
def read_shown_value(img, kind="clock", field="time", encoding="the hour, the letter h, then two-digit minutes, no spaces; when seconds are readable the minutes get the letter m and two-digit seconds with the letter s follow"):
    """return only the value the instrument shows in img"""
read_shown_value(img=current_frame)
9h20
